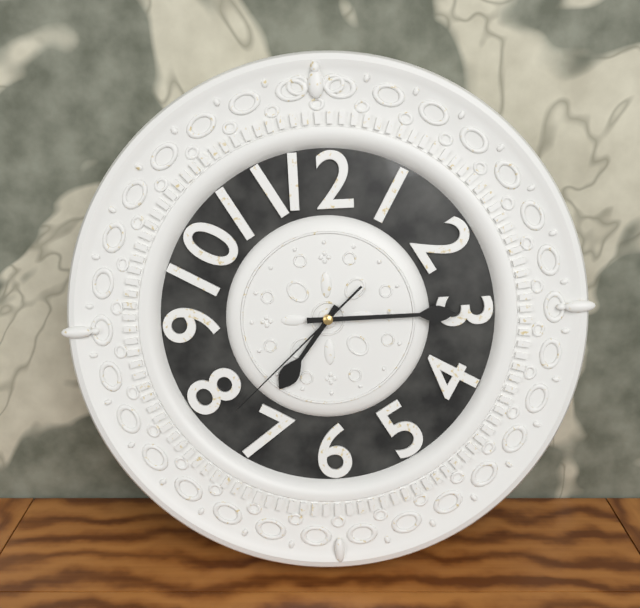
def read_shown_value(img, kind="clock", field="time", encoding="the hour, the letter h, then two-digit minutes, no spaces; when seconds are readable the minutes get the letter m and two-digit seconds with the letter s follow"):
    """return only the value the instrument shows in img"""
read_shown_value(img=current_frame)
7h15m38s
